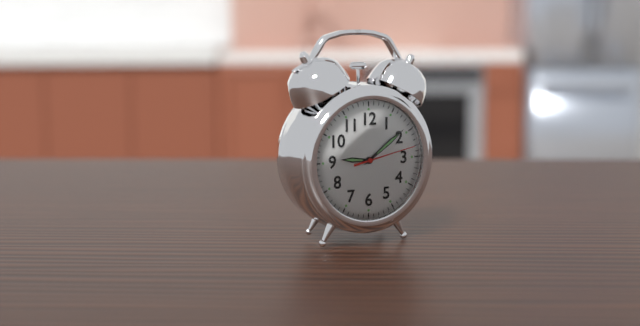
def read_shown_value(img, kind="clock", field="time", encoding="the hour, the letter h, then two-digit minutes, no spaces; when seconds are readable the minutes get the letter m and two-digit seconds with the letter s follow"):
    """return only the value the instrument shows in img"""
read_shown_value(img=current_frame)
9h09m13s
